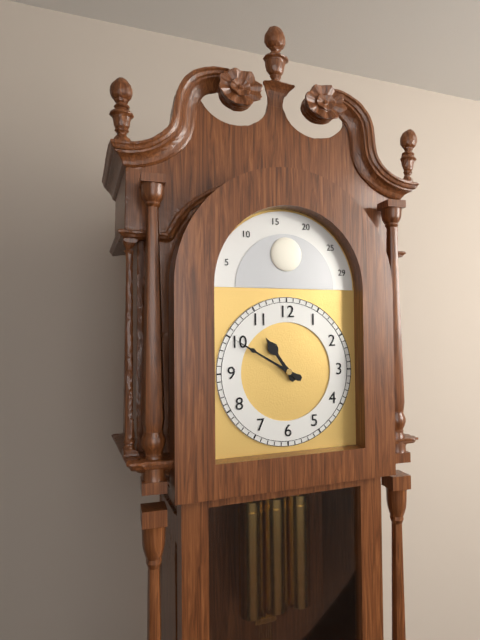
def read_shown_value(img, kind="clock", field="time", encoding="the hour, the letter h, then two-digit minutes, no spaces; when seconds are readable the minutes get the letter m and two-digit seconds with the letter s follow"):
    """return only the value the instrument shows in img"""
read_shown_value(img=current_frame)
10h50
